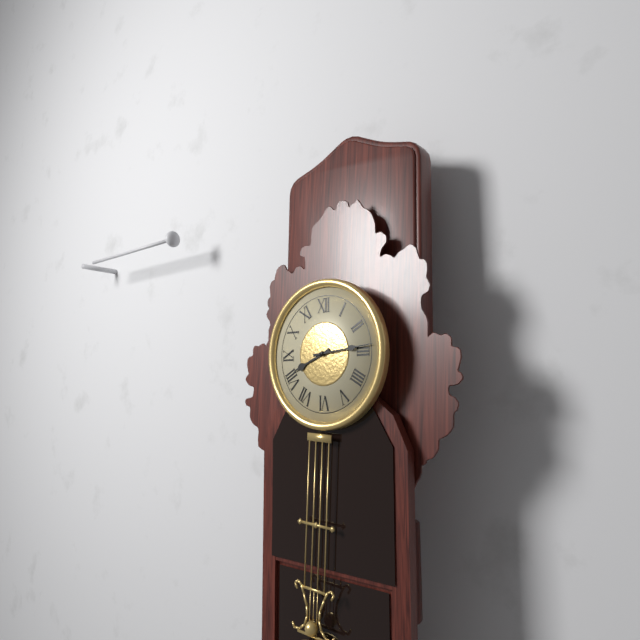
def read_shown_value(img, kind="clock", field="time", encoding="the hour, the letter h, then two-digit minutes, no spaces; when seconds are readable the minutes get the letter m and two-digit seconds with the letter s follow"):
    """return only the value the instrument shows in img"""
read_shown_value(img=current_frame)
8h14
